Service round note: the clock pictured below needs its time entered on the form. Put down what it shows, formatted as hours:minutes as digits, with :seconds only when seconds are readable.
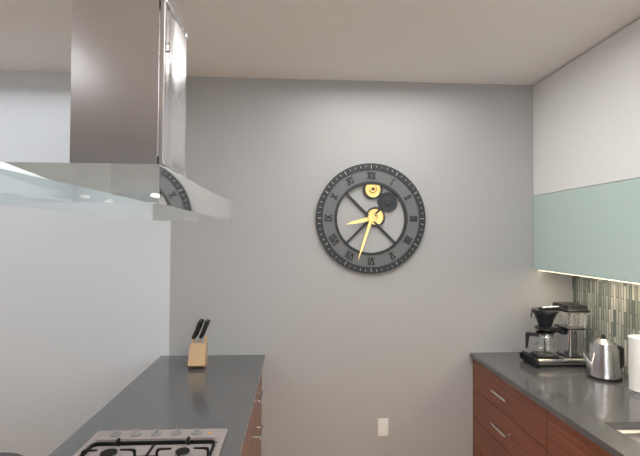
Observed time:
8:33
